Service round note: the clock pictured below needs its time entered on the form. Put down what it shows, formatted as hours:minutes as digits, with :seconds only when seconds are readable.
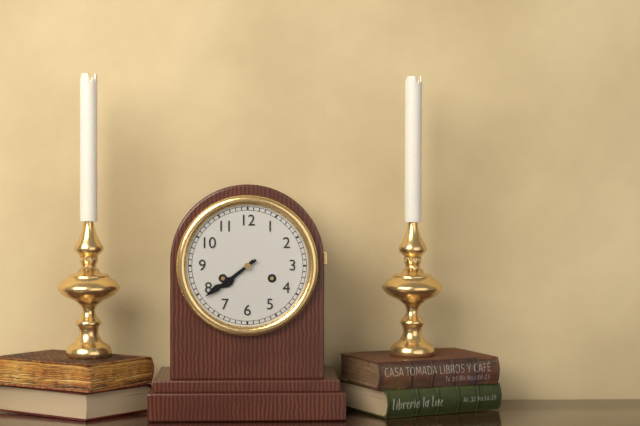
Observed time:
7:39
